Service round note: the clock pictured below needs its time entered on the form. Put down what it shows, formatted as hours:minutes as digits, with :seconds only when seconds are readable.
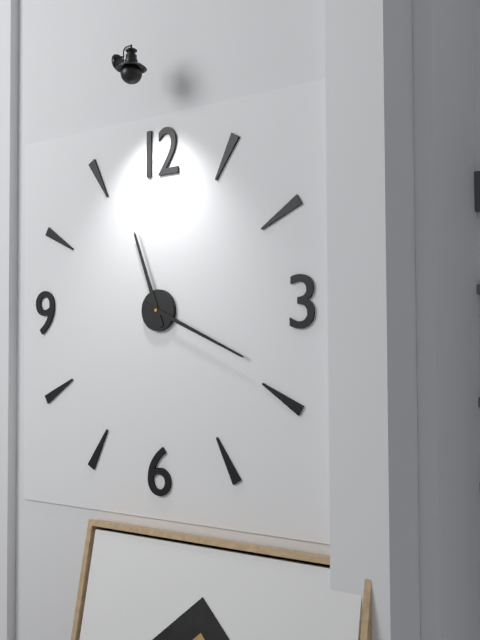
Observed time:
11:19
